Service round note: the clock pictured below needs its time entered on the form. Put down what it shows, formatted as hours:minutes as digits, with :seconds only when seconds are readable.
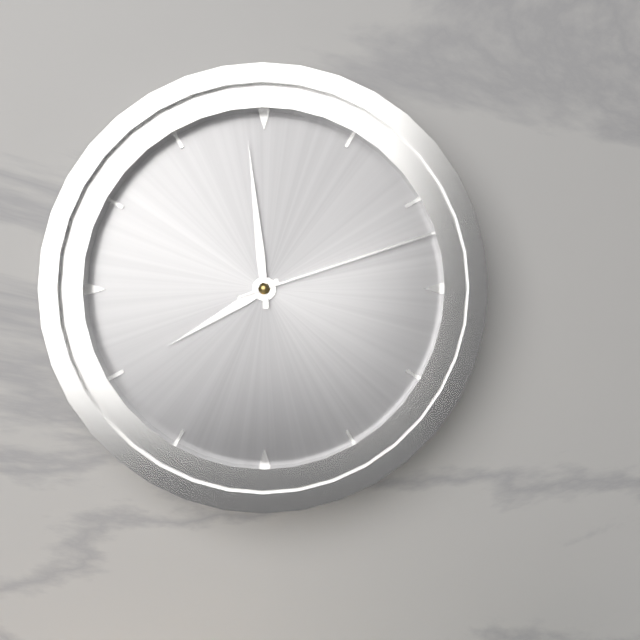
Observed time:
7:59:12
